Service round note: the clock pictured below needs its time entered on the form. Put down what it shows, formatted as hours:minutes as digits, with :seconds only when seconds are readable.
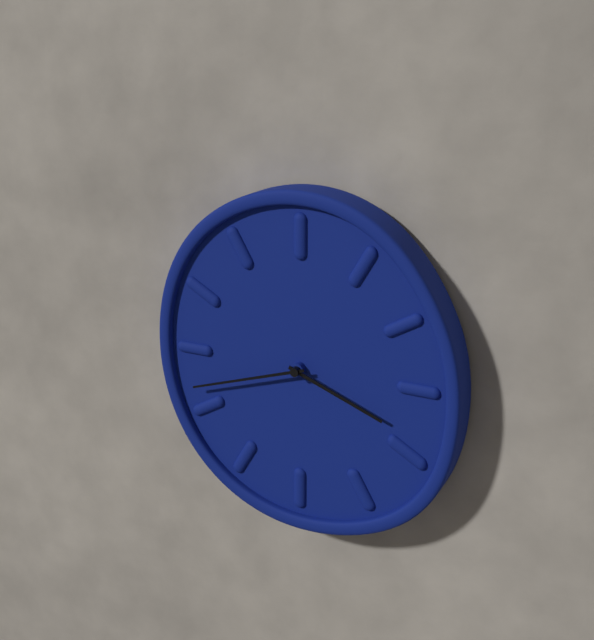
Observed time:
3:42
